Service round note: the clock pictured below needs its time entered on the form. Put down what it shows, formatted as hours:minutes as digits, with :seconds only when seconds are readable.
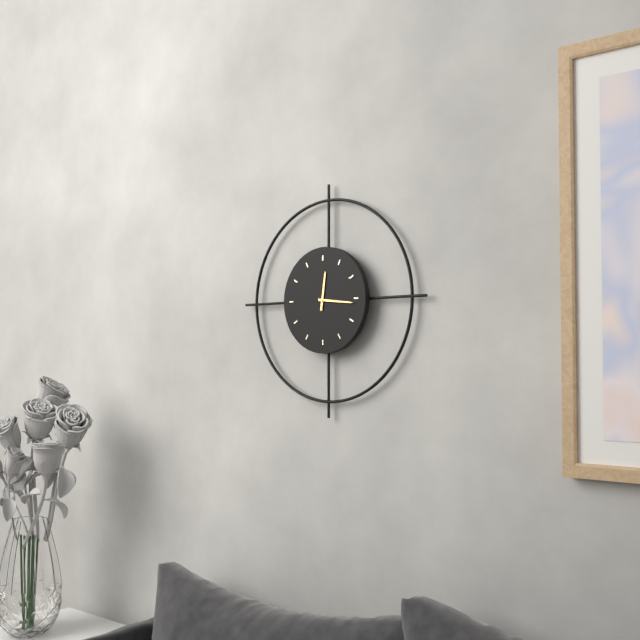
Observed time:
12:16
